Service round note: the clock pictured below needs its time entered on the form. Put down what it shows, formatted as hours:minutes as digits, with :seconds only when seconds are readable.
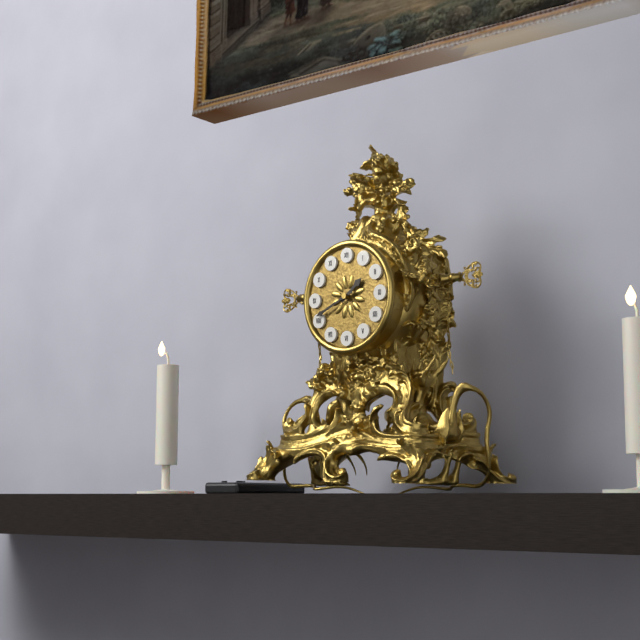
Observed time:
1:41
